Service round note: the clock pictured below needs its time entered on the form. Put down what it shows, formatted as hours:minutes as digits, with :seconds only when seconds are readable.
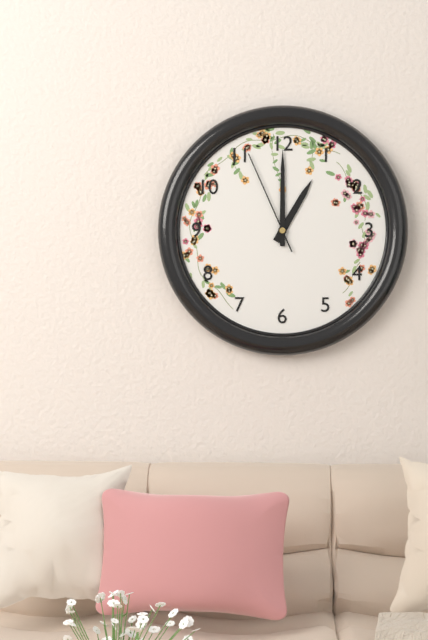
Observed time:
1:00:56
